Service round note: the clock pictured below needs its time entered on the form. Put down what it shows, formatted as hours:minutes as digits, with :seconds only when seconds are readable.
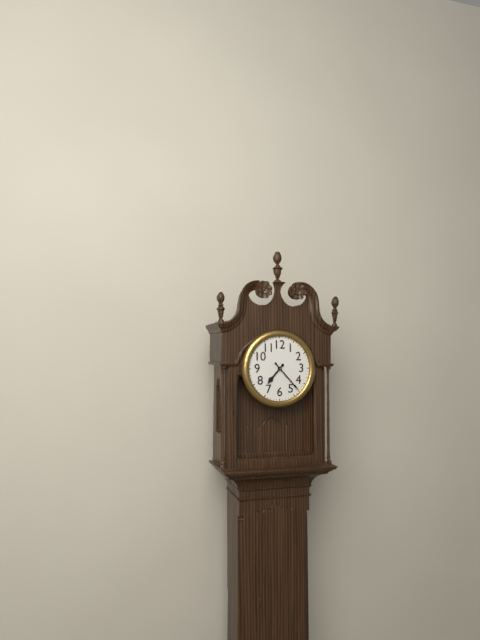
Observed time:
7:23
